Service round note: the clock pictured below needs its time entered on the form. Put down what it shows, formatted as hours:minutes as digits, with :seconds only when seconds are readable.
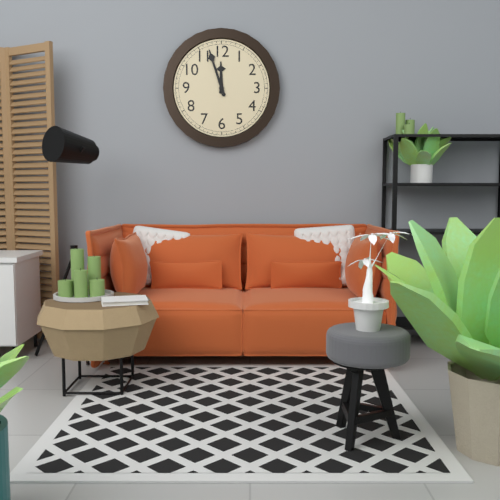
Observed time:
11:57
